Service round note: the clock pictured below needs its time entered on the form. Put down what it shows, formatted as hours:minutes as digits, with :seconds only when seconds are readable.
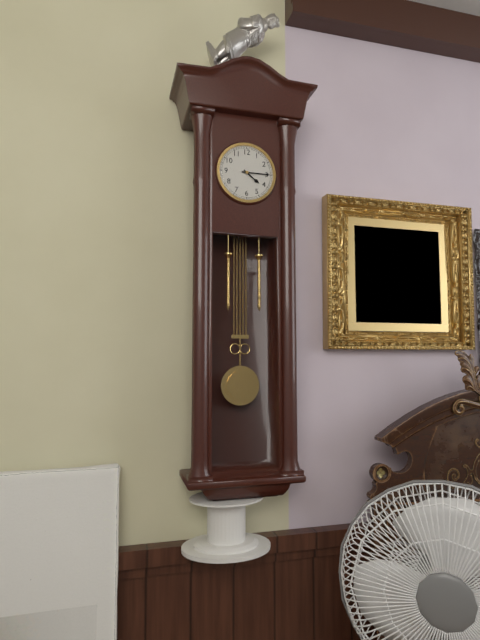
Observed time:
4:15
